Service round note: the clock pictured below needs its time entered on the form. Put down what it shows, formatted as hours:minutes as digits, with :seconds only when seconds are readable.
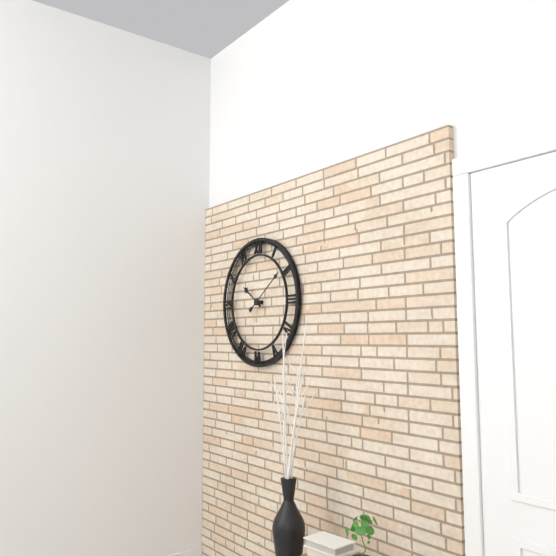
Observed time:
10:09
